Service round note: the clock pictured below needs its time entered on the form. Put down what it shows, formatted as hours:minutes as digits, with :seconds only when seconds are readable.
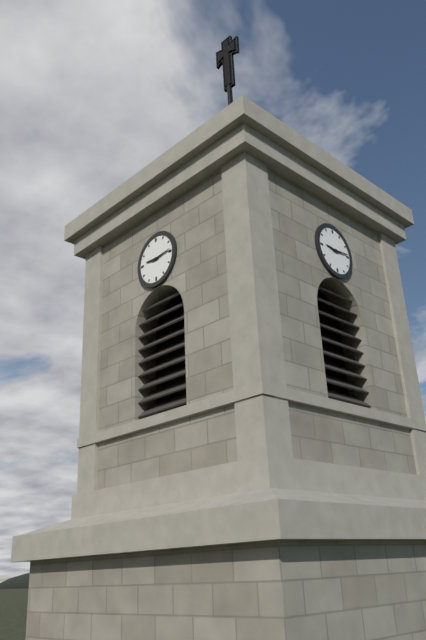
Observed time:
9:14
